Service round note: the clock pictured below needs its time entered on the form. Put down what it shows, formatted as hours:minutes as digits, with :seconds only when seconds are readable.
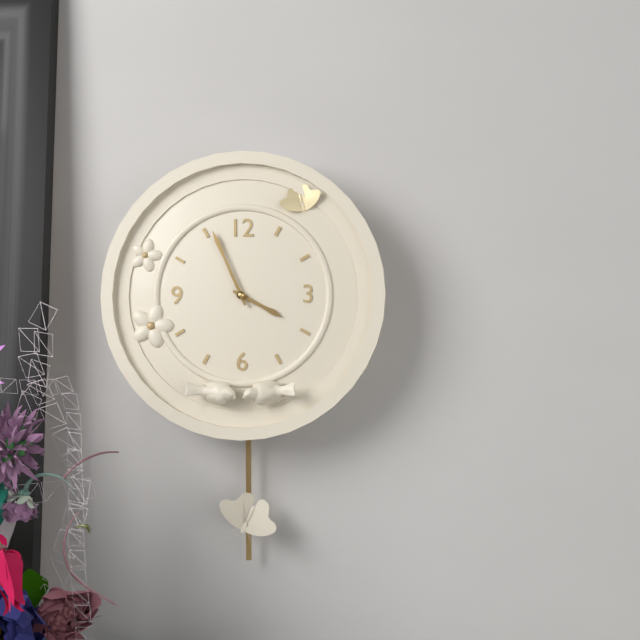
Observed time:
3:56
